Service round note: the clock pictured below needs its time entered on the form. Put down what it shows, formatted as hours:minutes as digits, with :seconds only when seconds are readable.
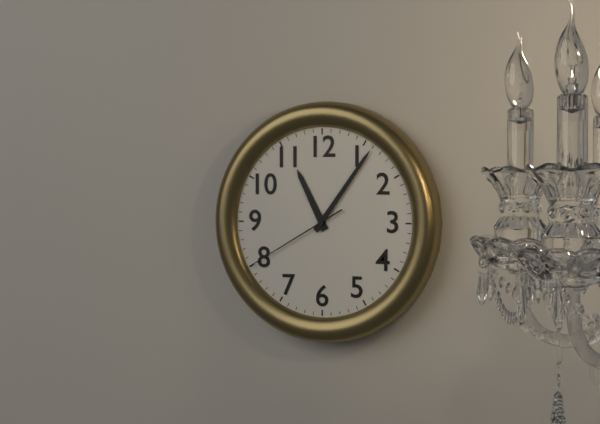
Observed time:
11:06:40
